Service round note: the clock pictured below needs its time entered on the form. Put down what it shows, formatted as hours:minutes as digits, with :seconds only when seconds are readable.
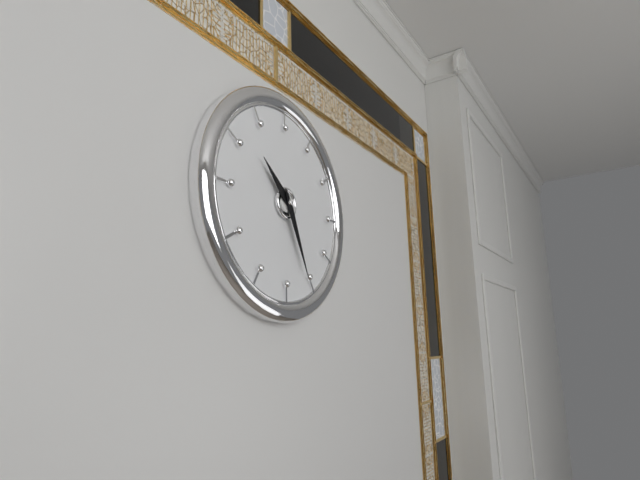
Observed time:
10:26
